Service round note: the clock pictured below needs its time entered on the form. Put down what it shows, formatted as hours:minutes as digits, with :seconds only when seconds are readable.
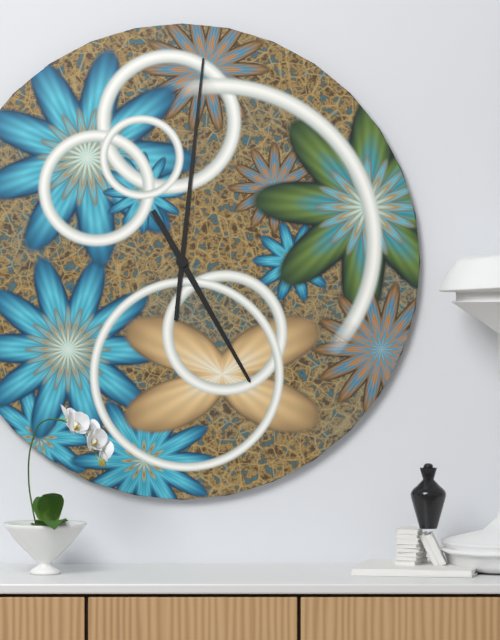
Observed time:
5:01
